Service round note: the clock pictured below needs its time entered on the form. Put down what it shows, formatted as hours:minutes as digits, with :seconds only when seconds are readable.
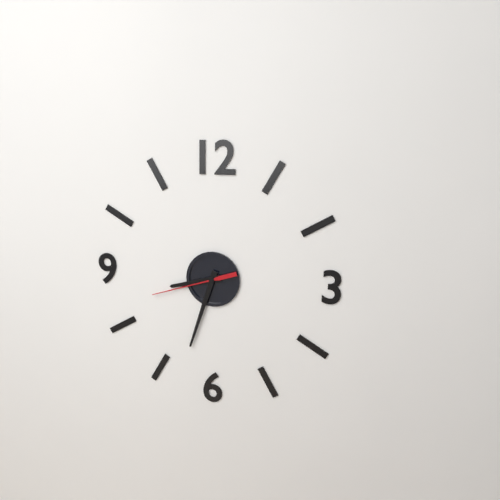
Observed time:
8:33:42
